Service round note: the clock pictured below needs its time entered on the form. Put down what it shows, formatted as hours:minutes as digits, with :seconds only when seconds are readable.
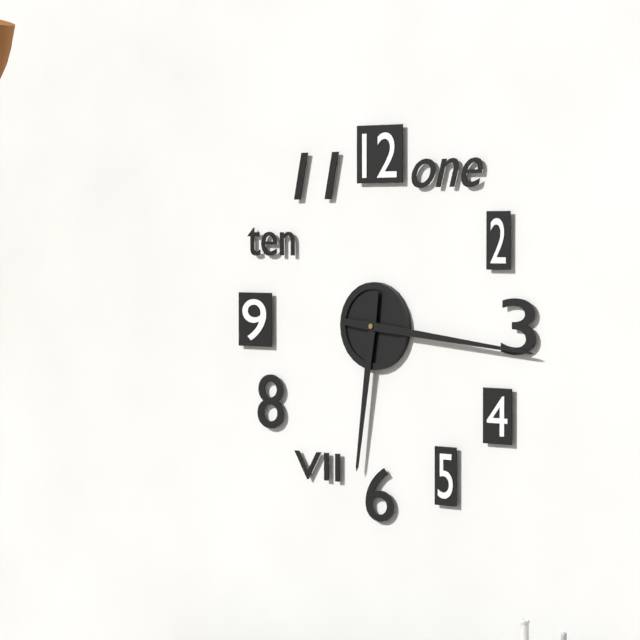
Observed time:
6:16
